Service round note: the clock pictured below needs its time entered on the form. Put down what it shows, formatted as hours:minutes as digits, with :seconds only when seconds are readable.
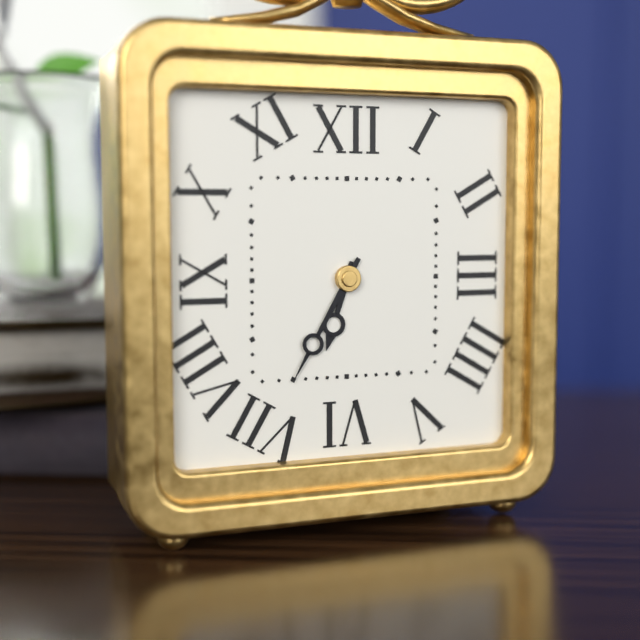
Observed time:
6:35
